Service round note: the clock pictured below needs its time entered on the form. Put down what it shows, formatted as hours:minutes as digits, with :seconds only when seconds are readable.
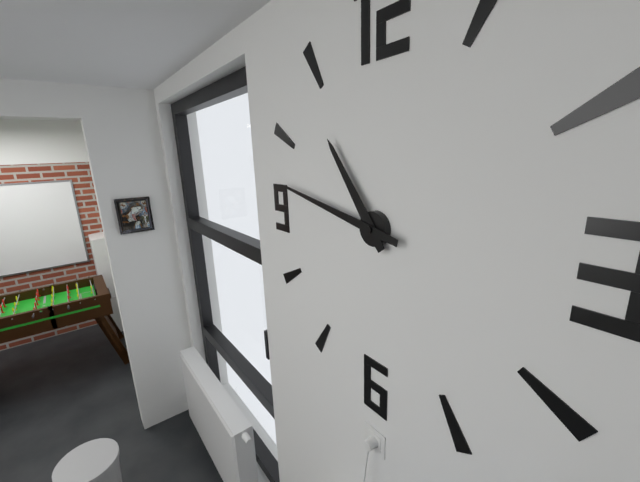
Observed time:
10:47
